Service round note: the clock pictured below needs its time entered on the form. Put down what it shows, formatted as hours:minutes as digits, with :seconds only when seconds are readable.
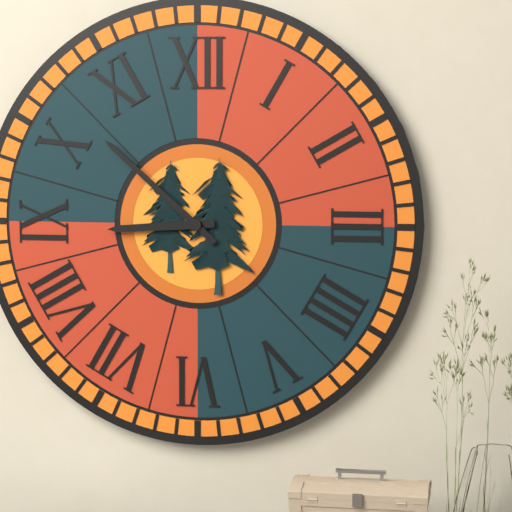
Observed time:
8:52
